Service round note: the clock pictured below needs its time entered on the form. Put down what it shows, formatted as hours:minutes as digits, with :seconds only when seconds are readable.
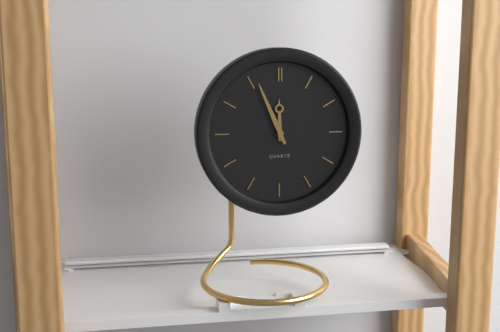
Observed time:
11:56
